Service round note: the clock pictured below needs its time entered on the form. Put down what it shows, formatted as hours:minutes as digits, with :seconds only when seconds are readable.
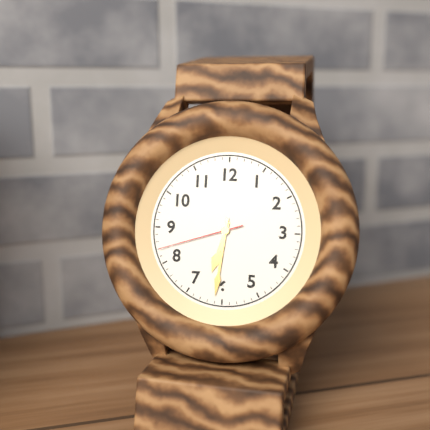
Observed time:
6:31:42
